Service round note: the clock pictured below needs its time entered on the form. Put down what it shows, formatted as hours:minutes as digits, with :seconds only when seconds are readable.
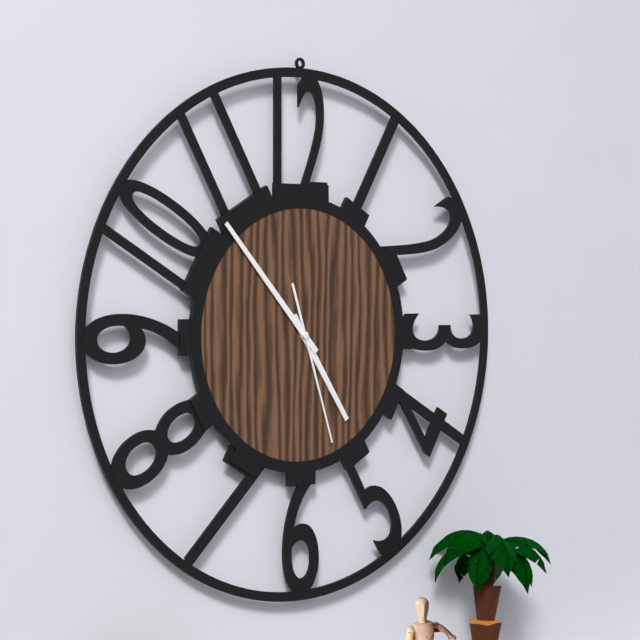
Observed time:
4:53:27
